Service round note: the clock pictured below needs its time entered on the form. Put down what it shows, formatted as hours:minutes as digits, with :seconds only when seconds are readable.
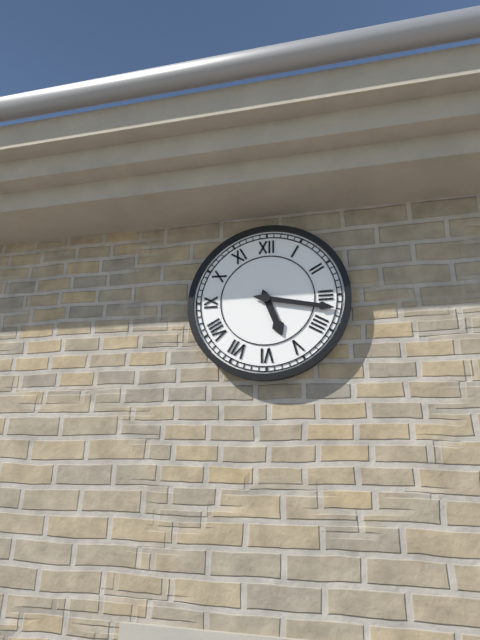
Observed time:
5:17
